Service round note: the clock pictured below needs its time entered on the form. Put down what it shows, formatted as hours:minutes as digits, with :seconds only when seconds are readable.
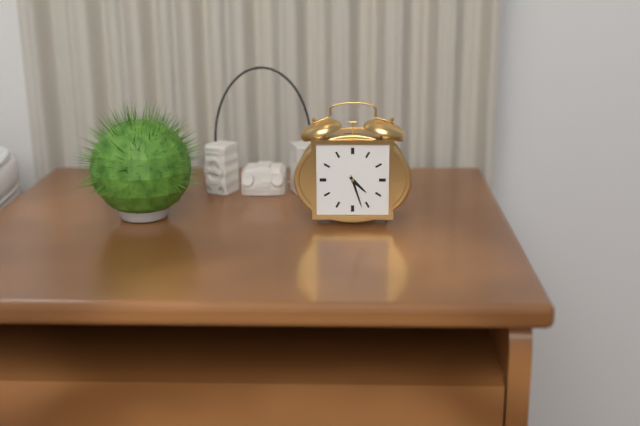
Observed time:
4:27
